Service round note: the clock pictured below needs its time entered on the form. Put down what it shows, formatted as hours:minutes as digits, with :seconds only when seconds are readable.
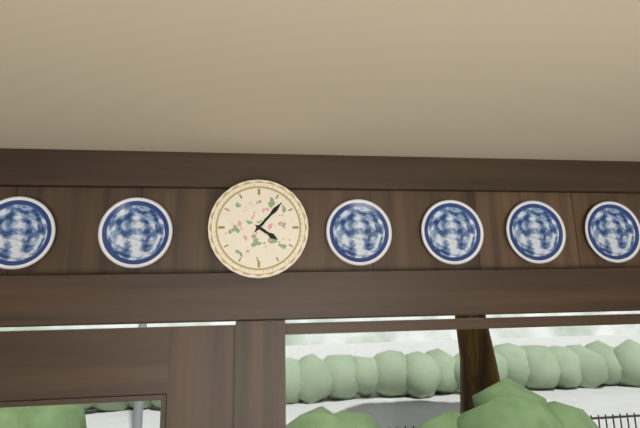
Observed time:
4:07
